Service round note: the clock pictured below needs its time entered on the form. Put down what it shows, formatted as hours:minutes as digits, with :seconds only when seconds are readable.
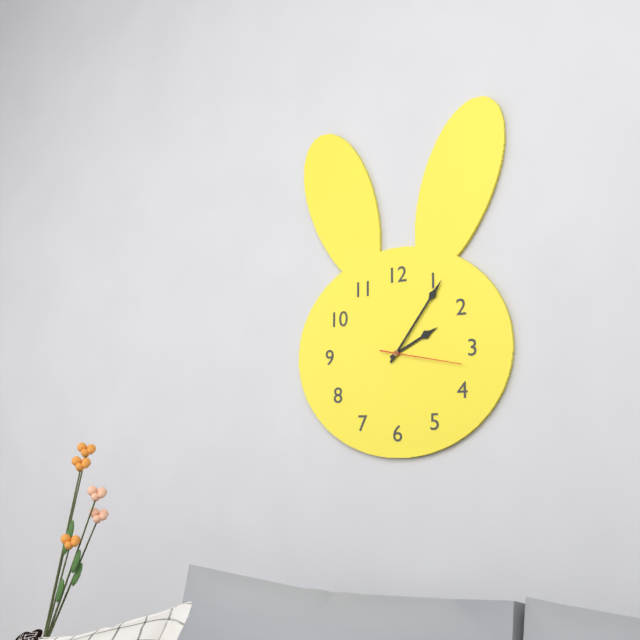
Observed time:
2:06:17
